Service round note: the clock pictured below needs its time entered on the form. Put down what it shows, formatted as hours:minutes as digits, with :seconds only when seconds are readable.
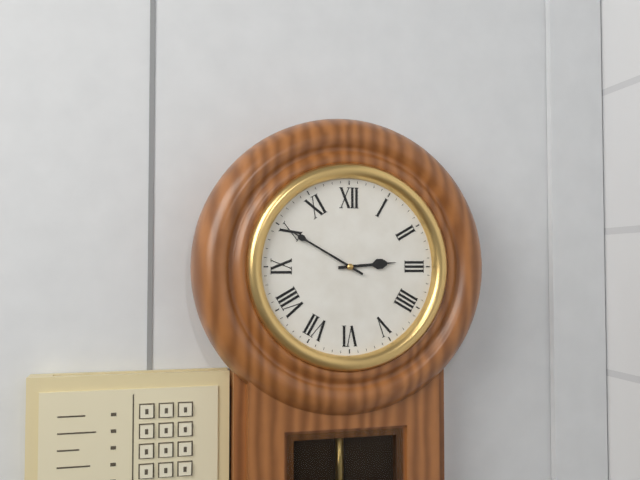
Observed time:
2:50
